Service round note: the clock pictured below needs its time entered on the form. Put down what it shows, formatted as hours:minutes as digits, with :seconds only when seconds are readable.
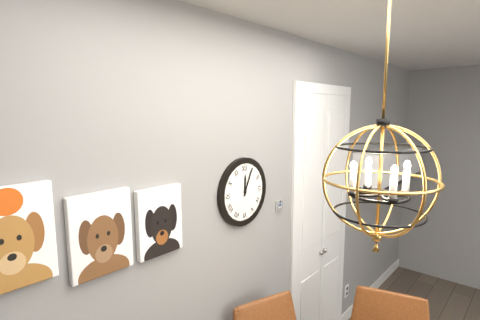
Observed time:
12:04
